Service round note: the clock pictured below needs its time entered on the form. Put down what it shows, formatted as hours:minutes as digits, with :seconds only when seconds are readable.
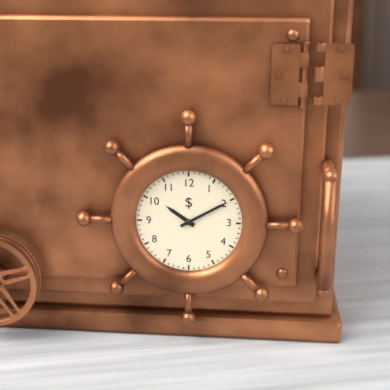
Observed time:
10:10
